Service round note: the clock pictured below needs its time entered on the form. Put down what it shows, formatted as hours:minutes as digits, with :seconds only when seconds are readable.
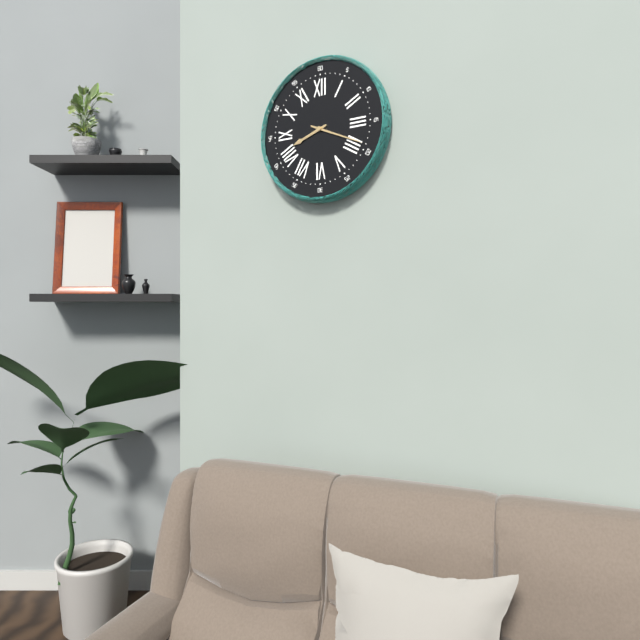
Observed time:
8:19
